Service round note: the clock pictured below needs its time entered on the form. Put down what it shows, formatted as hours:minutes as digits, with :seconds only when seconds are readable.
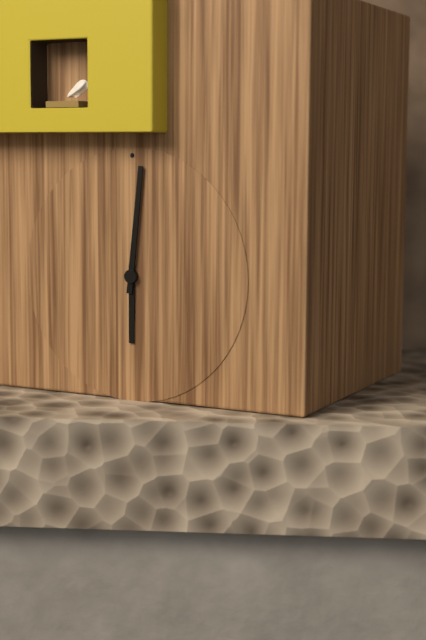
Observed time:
6:01
